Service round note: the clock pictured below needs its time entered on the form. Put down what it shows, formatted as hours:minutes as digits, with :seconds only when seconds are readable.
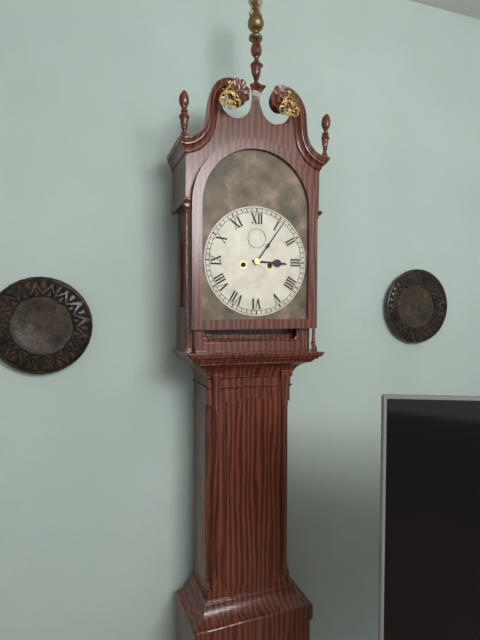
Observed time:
3:06
